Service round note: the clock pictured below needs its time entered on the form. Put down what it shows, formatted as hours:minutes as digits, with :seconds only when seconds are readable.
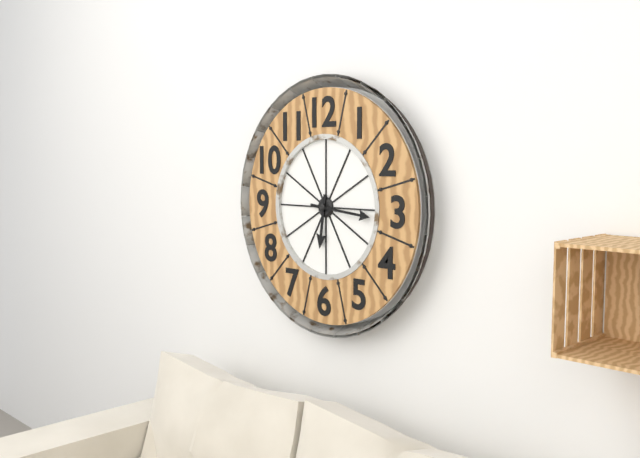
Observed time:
6:16
